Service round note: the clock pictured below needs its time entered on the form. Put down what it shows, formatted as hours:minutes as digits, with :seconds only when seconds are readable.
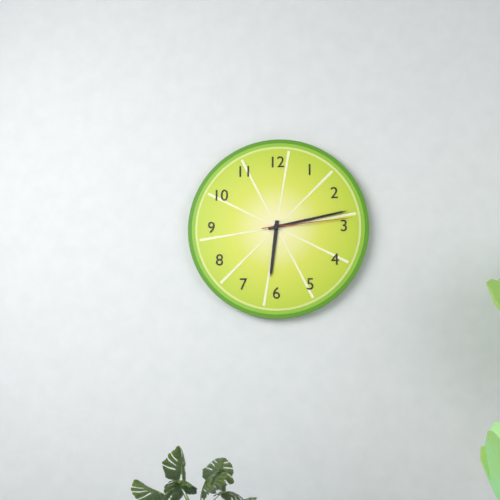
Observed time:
6:13:14
